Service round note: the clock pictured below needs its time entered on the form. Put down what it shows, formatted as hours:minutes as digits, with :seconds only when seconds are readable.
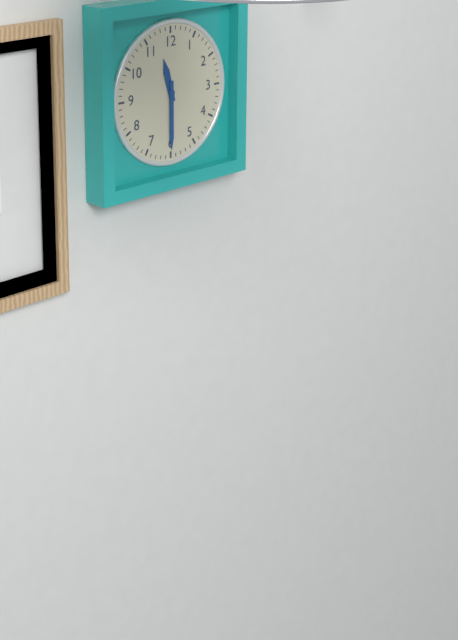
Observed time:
11:30
